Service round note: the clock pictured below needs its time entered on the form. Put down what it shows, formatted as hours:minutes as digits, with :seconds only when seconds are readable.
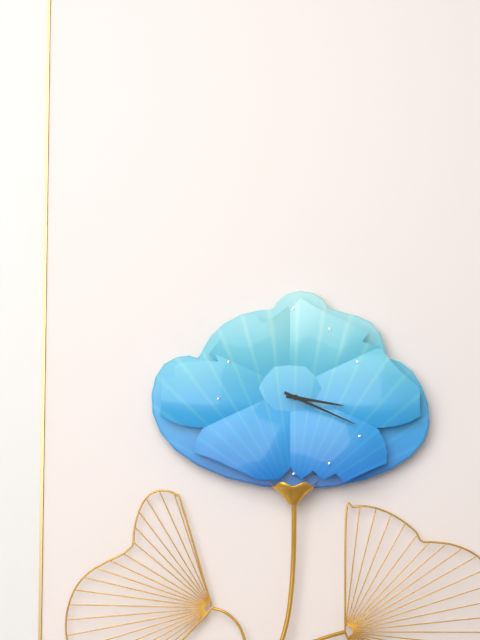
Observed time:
3:19
